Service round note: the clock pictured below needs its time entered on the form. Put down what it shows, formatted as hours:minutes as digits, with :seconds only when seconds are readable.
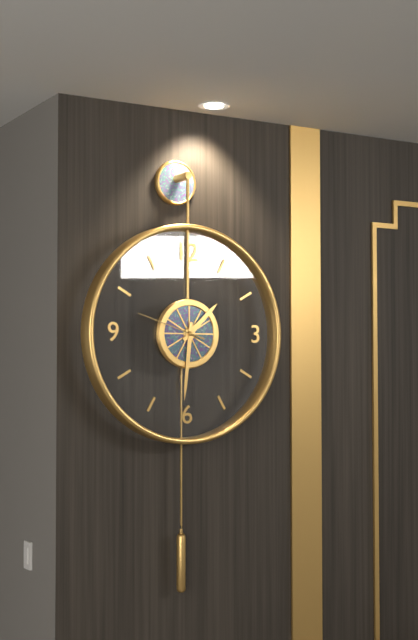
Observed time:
1:31:48
